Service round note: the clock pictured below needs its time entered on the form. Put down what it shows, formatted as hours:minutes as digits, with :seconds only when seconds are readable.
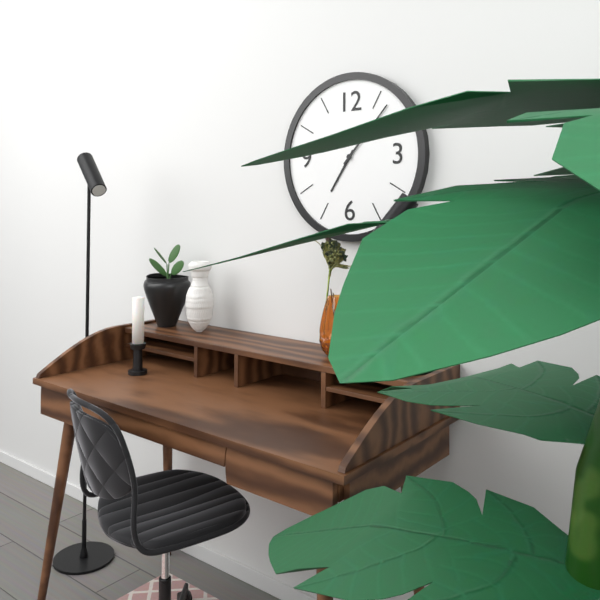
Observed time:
7:07
